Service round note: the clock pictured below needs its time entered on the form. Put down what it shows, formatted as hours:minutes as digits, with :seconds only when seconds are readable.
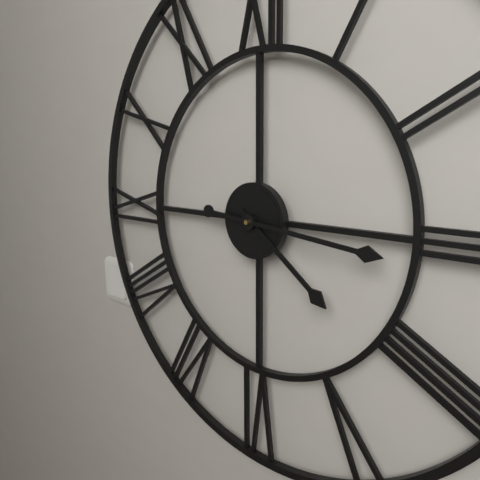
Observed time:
4:16
